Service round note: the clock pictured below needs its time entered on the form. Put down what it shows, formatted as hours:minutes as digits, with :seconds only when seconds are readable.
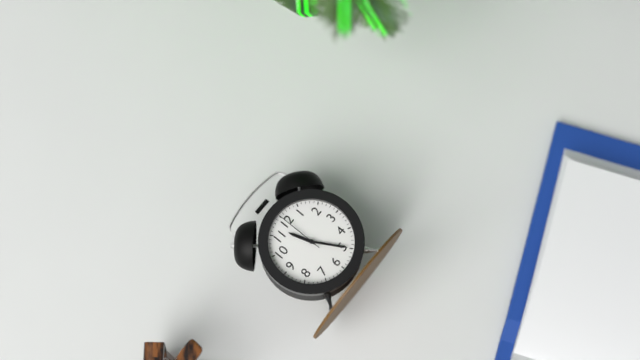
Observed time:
11:25:00
